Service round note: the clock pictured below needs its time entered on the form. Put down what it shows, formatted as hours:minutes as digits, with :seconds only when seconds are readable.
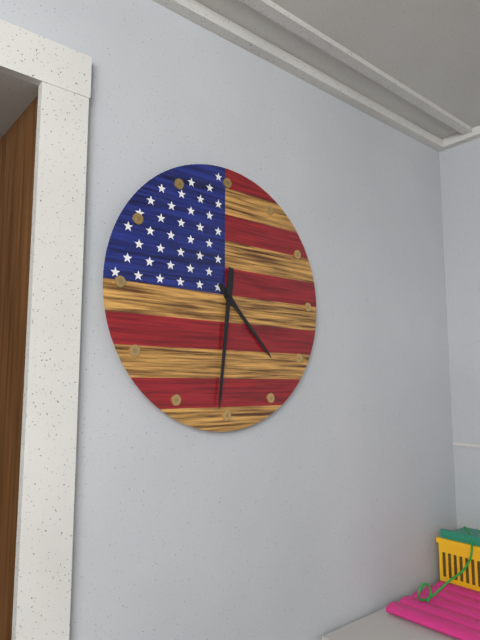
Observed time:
4:31
